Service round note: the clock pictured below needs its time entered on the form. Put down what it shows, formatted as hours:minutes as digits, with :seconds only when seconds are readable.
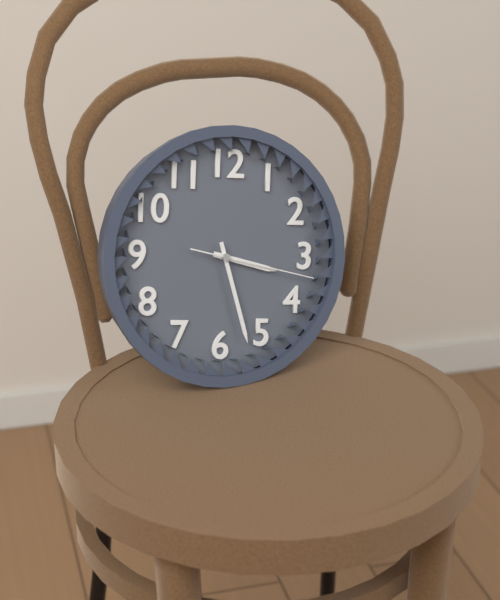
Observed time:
3:27:17
